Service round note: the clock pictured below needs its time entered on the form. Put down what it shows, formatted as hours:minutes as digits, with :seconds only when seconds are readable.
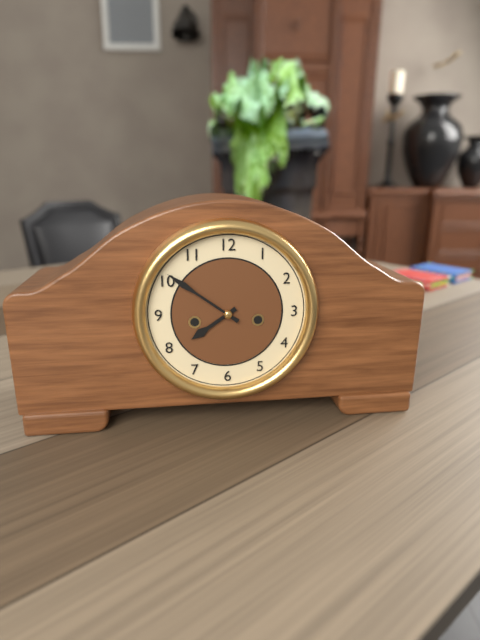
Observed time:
7:51
